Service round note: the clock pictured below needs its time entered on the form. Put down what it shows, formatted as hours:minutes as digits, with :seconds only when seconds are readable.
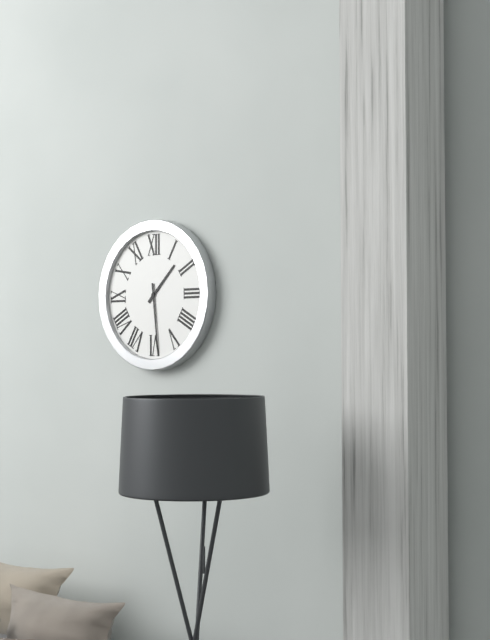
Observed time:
1:29
